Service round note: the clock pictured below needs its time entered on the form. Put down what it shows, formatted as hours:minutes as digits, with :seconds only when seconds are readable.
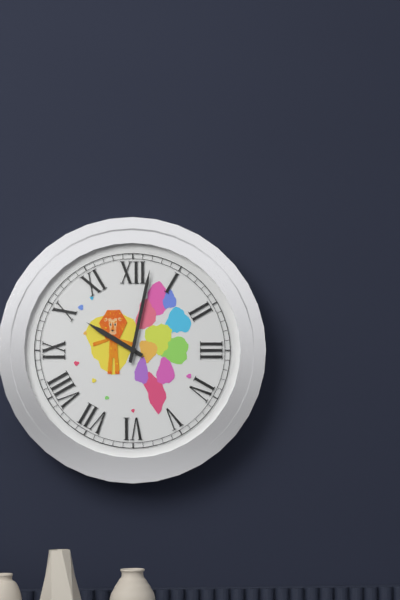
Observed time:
10:02
